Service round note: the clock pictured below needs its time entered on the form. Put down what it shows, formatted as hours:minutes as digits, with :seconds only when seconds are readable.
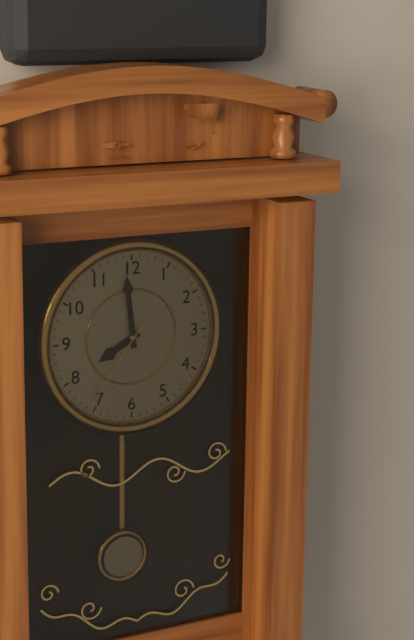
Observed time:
7:59:36
